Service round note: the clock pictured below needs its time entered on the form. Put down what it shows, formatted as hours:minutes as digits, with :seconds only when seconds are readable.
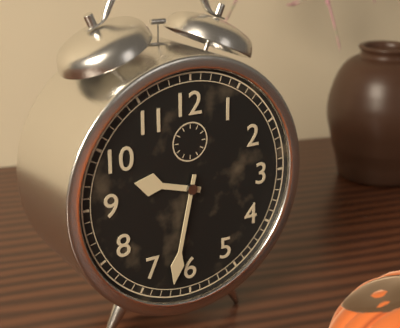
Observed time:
9:32
